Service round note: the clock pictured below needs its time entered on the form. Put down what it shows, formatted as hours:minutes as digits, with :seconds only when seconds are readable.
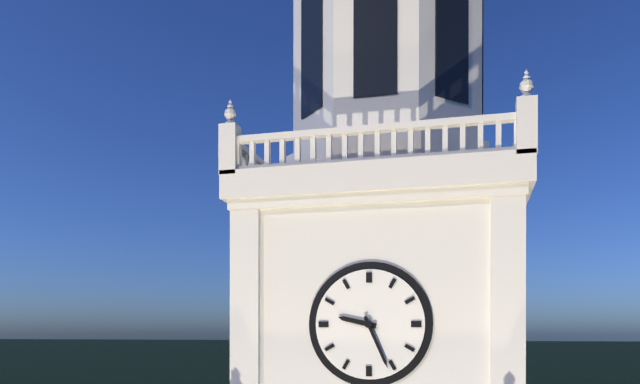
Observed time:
9:26
